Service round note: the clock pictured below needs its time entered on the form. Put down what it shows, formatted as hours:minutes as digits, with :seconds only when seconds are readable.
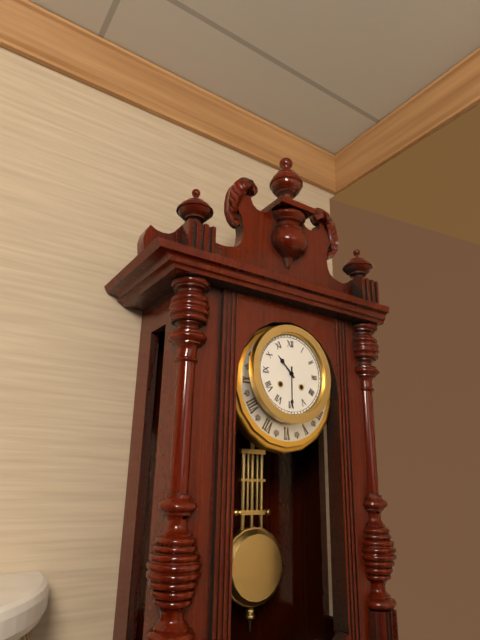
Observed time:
10:30
